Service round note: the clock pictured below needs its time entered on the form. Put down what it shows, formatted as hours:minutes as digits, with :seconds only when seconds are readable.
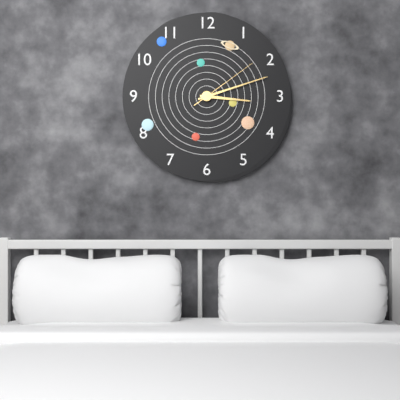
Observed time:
3:12:09
